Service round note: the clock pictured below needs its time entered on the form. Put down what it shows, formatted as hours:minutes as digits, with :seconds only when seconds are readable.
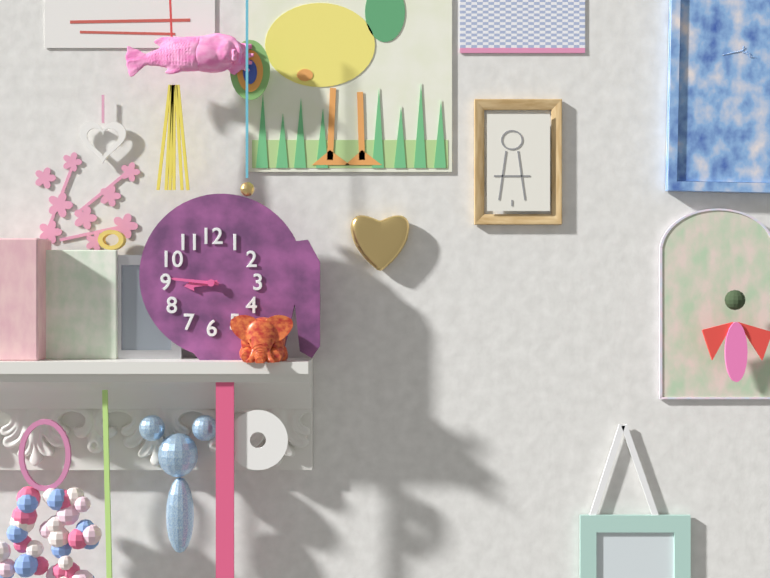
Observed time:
8:46
